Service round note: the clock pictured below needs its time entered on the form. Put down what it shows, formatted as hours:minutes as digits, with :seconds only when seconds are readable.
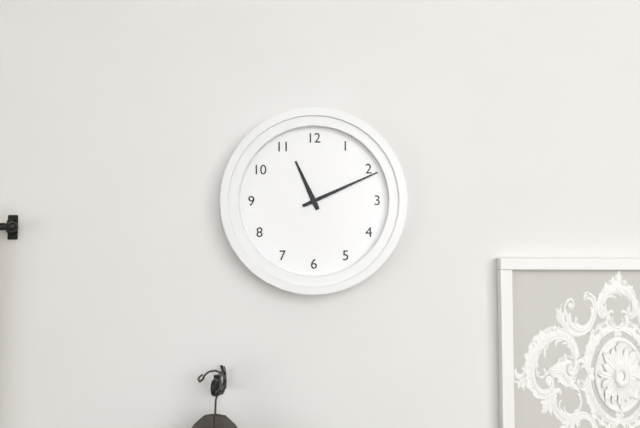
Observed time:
11:11
